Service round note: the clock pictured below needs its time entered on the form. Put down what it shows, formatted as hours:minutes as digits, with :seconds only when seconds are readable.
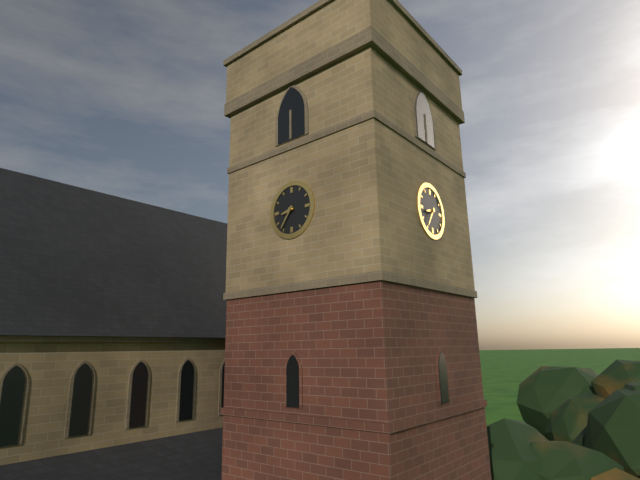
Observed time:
8:36
